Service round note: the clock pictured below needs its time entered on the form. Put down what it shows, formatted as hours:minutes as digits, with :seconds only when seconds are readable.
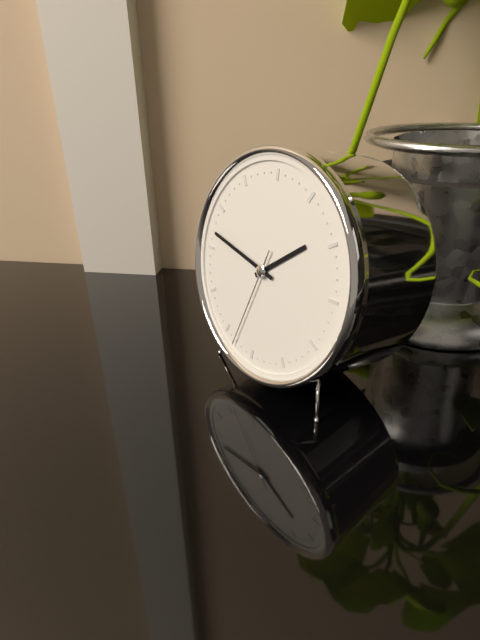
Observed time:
1:47:33
